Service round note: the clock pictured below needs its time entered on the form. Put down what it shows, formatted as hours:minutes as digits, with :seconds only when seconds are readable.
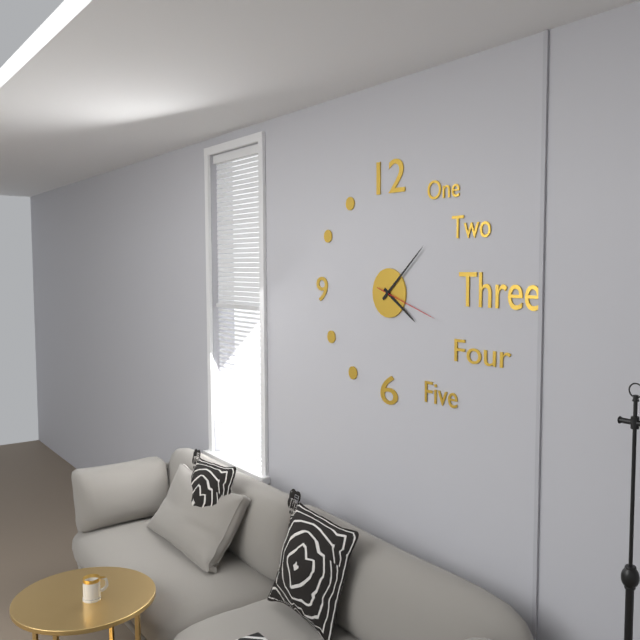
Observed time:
4:08:18
